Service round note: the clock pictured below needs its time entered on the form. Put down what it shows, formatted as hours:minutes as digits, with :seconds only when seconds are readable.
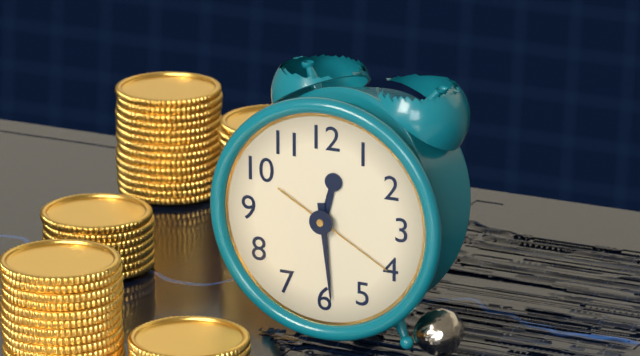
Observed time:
12:29:20
